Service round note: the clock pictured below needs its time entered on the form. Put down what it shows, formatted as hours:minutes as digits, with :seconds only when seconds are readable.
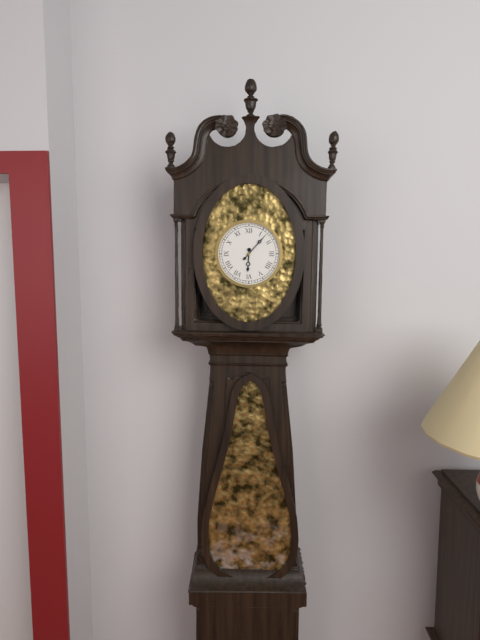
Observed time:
6:07
